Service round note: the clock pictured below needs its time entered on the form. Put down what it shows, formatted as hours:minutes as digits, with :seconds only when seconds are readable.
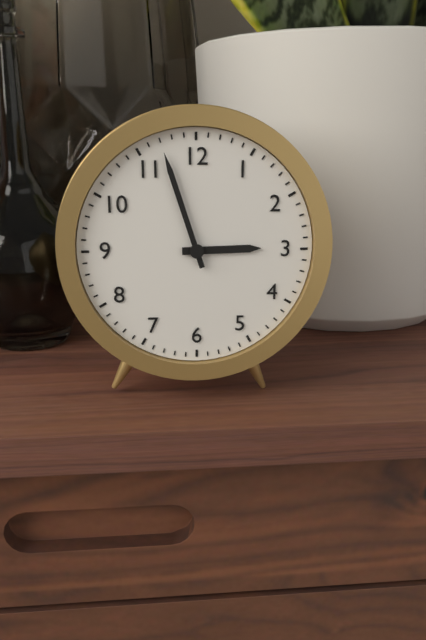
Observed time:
2:57
